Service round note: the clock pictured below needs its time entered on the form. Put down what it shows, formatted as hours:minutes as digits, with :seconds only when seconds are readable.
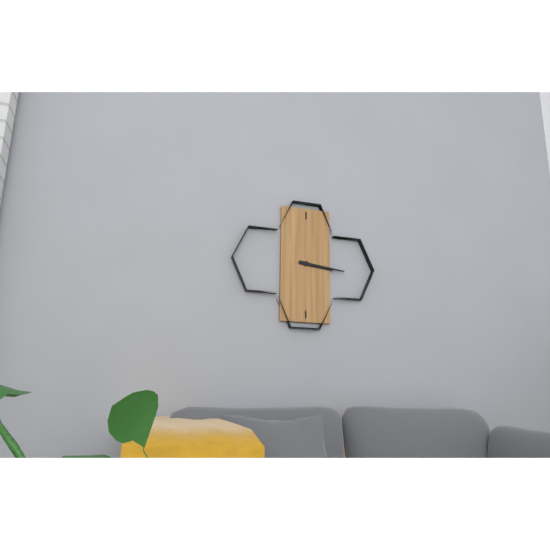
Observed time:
3:16
